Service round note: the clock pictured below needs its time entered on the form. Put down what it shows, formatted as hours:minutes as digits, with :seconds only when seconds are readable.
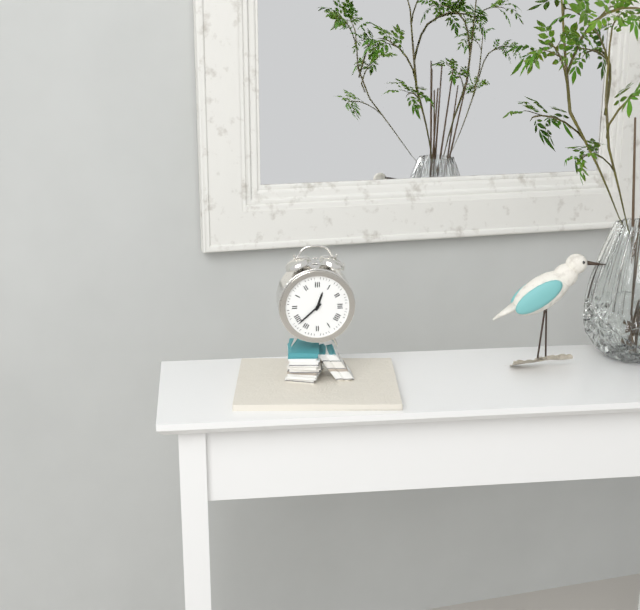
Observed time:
12:38
